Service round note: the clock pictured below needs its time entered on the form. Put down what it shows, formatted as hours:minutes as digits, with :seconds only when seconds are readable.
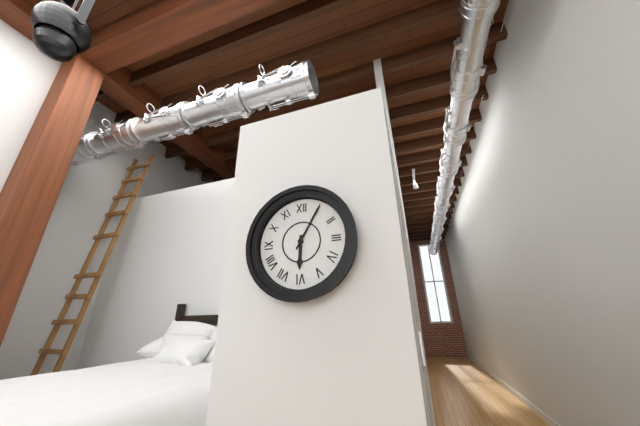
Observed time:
6:05
